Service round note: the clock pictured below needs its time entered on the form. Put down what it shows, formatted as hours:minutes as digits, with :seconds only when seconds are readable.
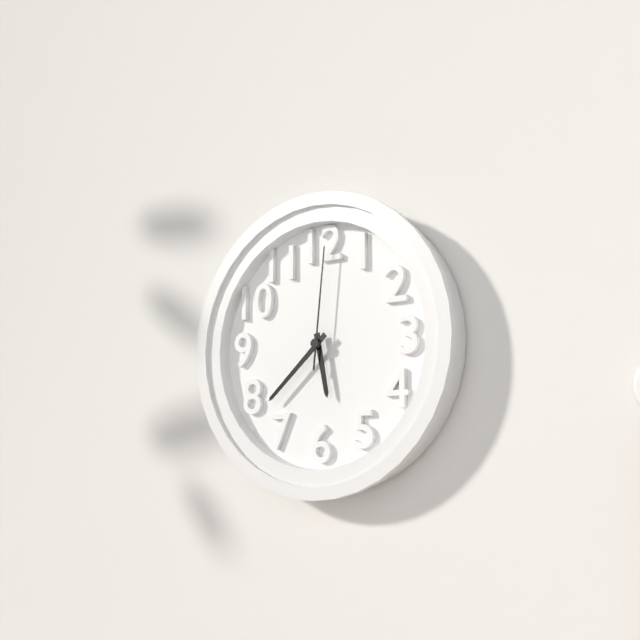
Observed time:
5:38:01
